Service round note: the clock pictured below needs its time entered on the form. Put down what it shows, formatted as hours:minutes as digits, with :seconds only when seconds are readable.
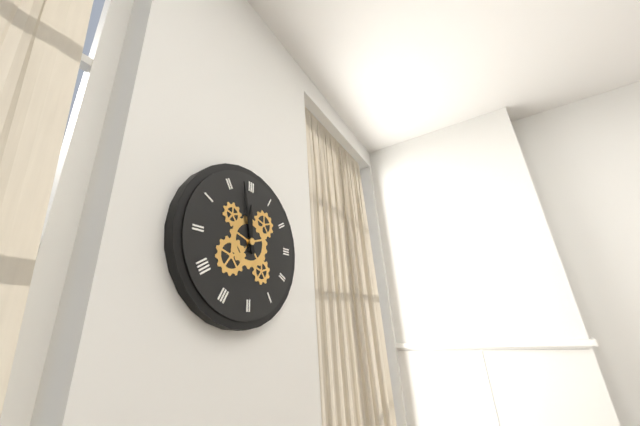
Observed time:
11:58
